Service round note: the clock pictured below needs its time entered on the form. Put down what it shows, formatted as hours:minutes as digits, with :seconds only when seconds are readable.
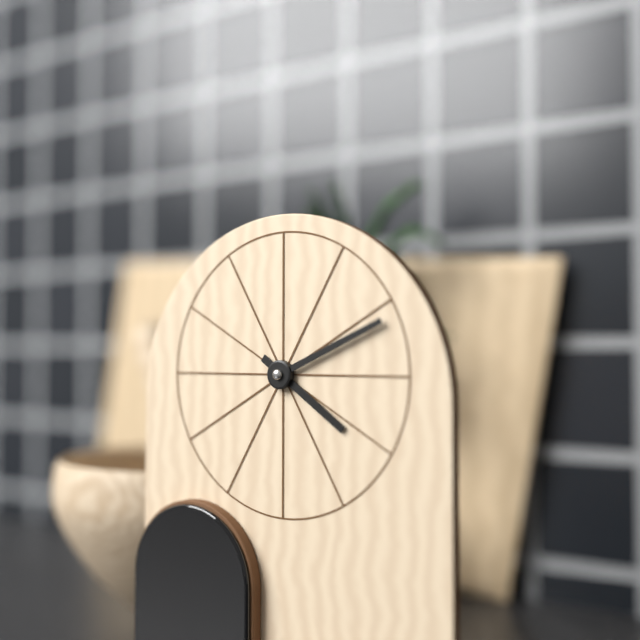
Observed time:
4:11
